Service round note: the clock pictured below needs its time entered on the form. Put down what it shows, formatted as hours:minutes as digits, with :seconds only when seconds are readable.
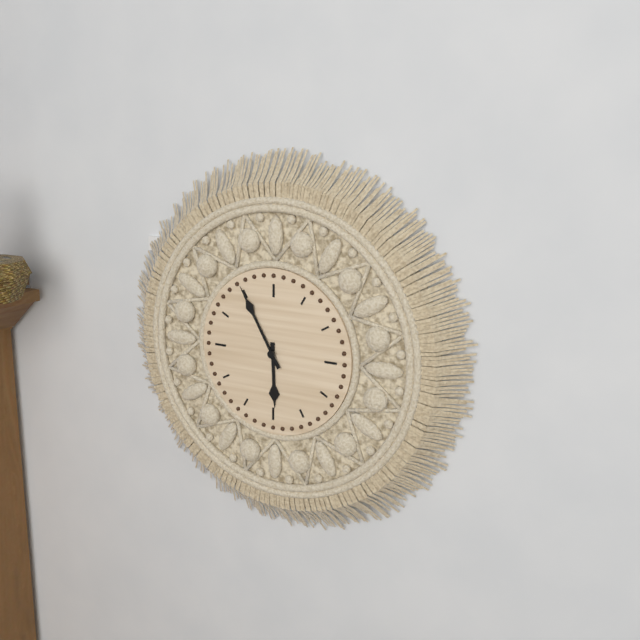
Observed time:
5:55
